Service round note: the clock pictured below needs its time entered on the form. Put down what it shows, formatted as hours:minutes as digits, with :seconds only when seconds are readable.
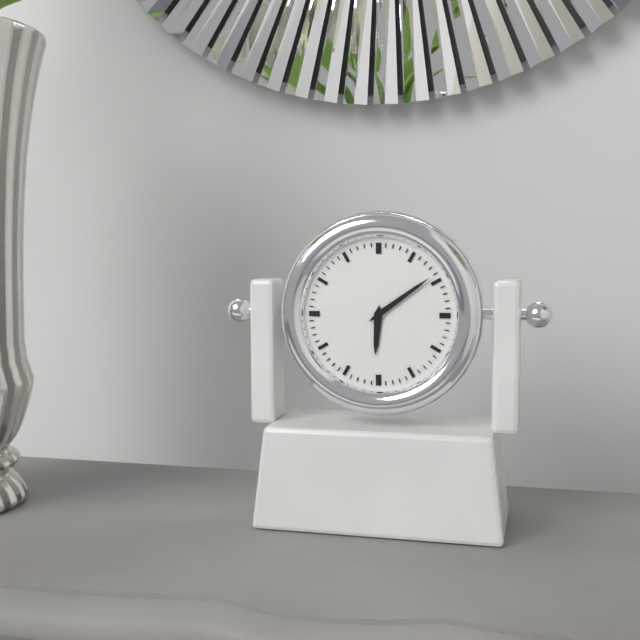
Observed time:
6:09
